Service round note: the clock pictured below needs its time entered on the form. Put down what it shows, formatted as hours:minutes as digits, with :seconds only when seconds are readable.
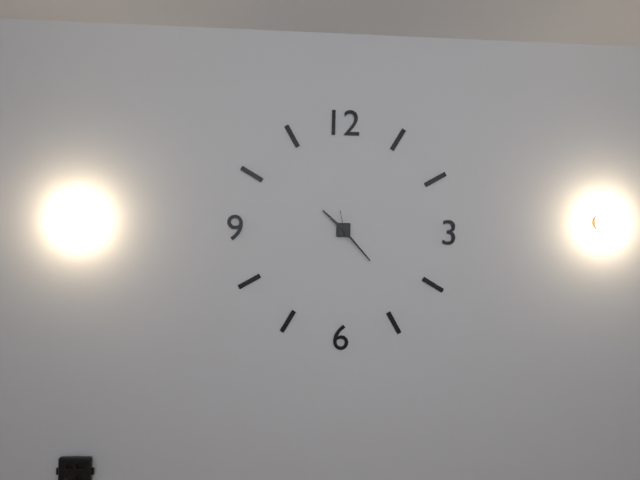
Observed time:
10:23
